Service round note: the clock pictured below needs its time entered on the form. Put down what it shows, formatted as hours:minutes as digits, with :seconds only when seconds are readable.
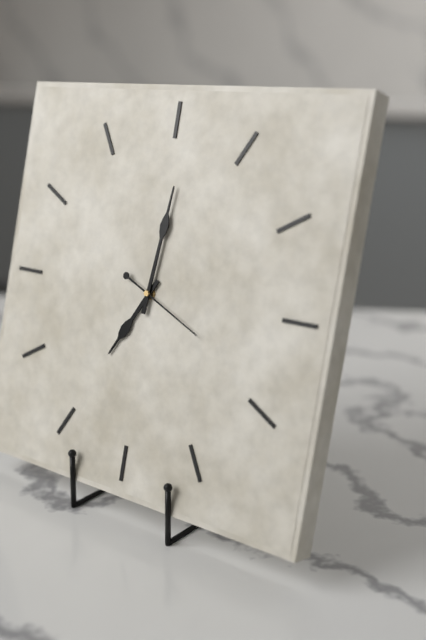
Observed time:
7:01:19
